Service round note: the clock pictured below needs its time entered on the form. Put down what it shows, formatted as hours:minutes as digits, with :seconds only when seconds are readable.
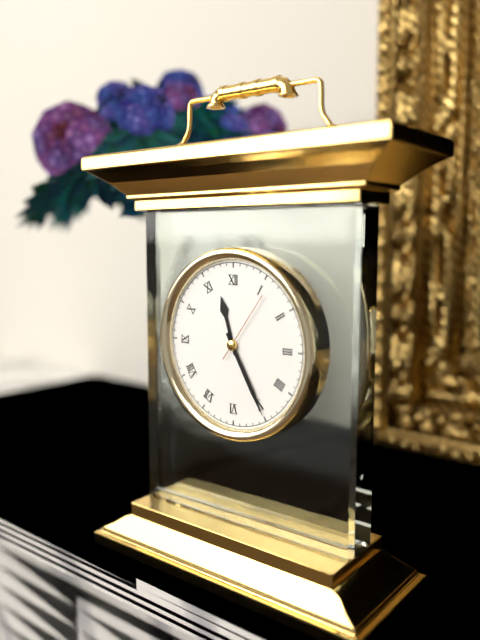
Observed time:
11:25:06
